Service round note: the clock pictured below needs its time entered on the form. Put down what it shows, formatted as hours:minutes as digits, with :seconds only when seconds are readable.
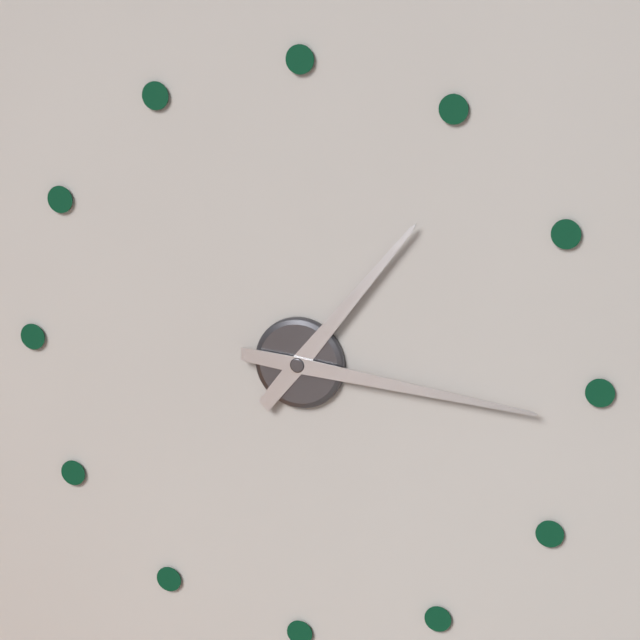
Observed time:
1:16
